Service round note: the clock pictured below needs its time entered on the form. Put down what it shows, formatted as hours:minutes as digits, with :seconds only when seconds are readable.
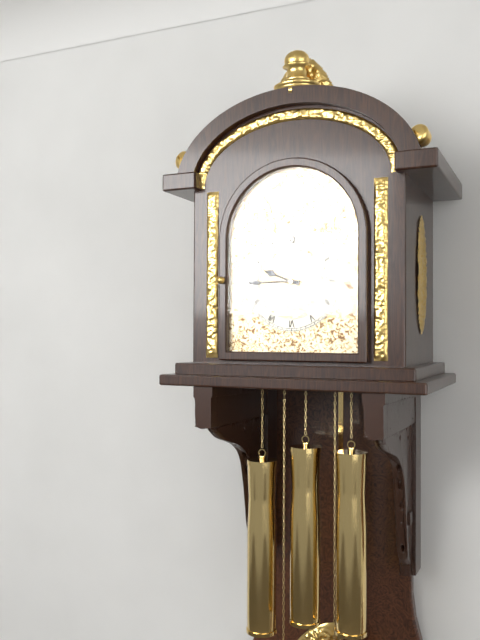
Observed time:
9:45
